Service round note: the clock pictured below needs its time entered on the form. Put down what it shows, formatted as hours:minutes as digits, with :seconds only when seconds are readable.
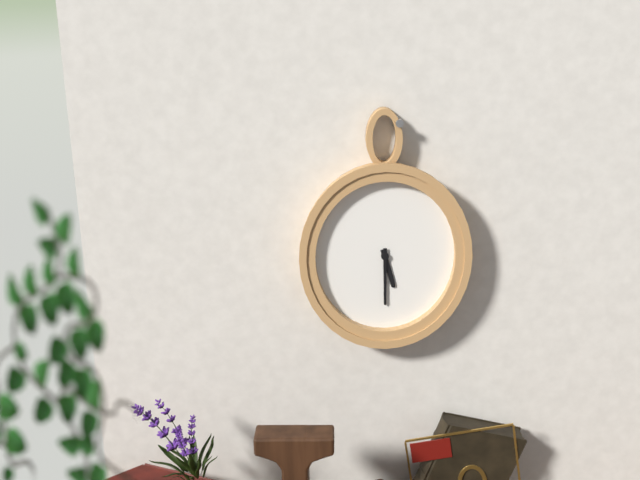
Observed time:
5:30
